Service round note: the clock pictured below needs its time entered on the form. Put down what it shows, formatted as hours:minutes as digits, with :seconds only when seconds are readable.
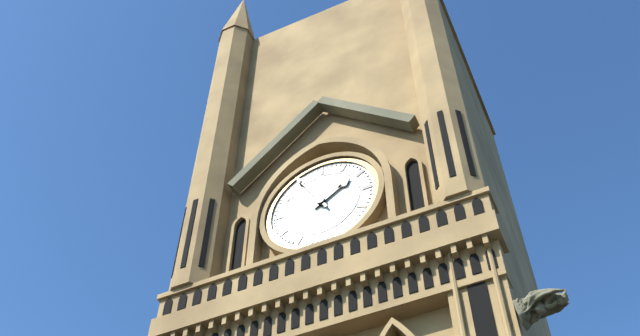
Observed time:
1:55
